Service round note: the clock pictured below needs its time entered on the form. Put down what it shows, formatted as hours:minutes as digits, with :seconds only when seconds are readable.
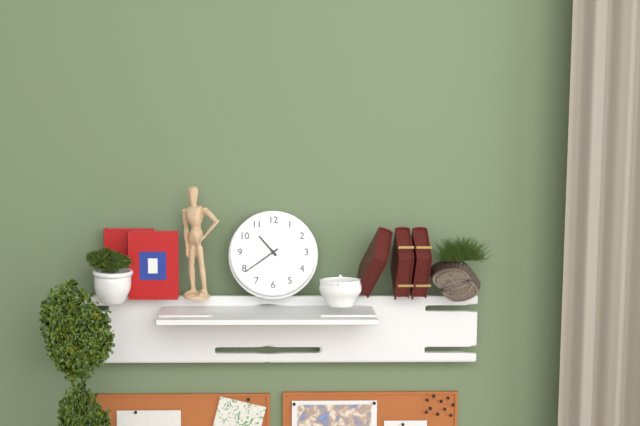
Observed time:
10:39
